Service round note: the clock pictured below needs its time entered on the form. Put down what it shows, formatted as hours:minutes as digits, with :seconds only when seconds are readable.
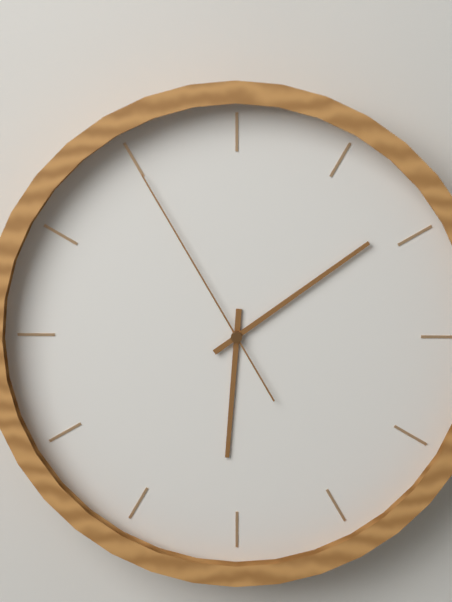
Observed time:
6:09:55
